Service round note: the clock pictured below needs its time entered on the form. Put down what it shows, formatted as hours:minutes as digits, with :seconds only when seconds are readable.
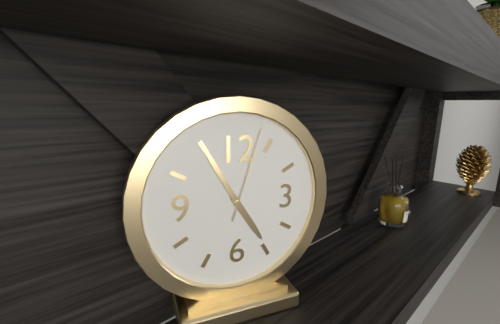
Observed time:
4:55:03
